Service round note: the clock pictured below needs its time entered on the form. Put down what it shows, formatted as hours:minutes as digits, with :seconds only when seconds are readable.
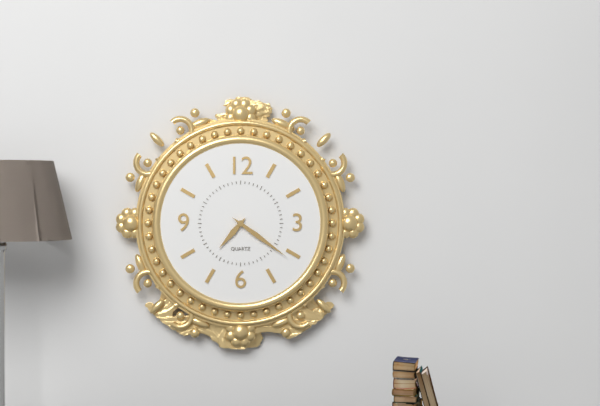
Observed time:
7:21
